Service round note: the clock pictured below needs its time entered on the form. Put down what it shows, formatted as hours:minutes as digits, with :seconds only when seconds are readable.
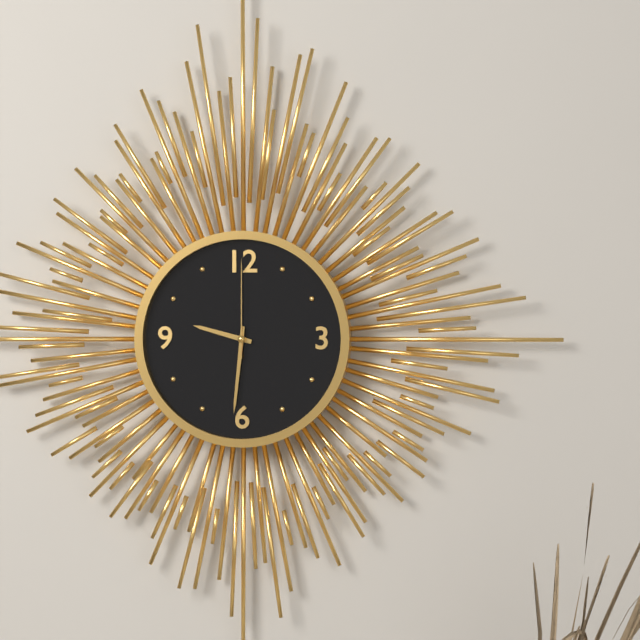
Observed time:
9:31:00
